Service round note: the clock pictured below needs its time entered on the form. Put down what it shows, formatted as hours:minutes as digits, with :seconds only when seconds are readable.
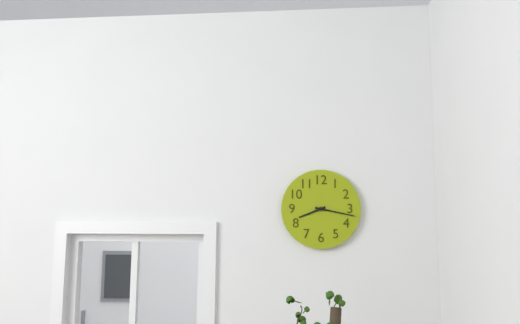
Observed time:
8:17
